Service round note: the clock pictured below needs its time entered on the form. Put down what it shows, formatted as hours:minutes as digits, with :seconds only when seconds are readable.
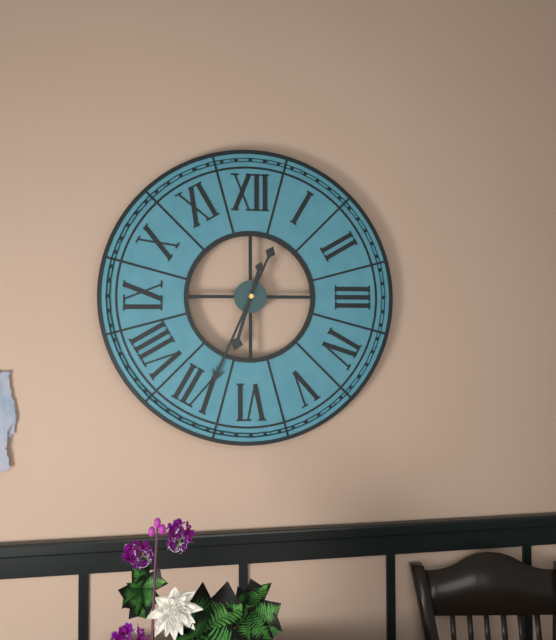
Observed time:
6:34
